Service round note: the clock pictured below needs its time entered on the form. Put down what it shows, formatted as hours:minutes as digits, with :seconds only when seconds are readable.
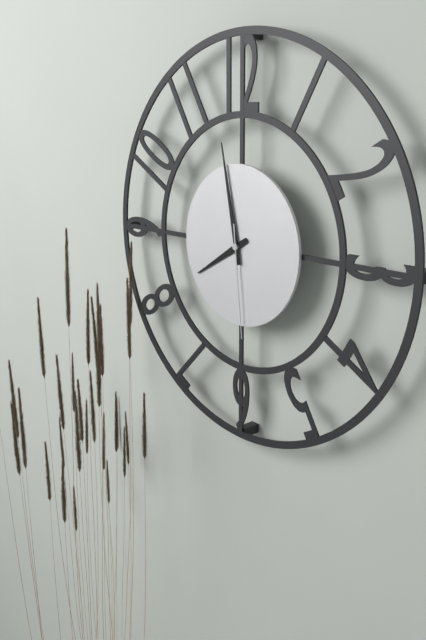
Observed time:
7:58:29
